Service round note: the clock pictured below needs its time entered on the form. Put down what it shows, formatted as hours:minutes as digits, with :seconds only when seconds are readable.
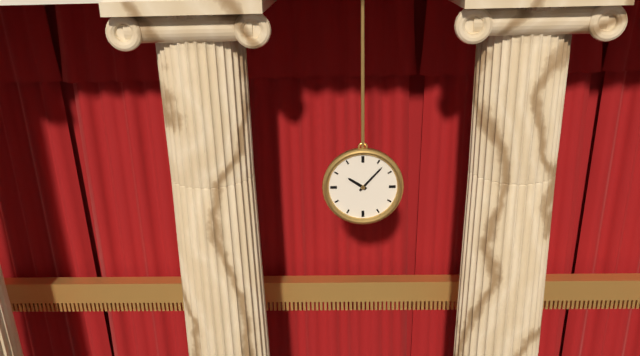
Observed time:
10:07
